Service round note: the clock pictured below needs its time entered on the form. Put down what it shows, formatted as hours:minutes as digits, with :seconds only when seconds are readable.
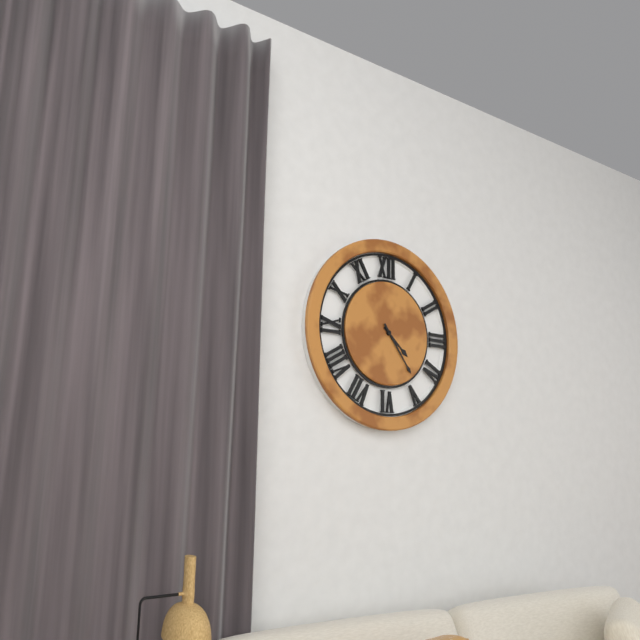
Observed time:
4:24
